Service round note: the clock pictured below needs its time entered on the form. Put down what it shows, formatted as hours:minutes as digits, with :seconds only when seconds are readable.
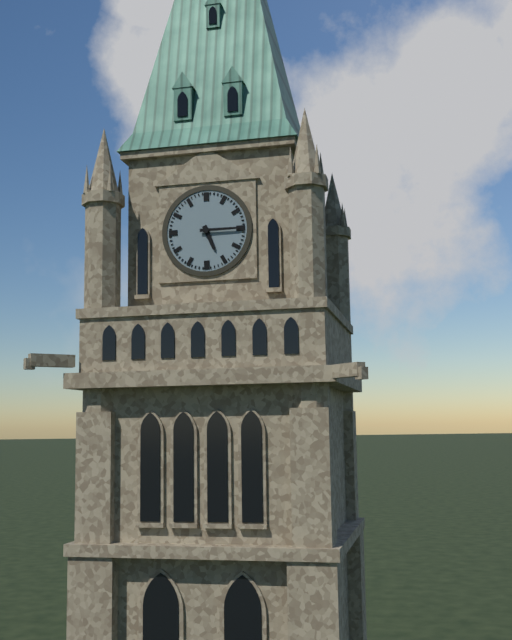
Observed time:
5:15
